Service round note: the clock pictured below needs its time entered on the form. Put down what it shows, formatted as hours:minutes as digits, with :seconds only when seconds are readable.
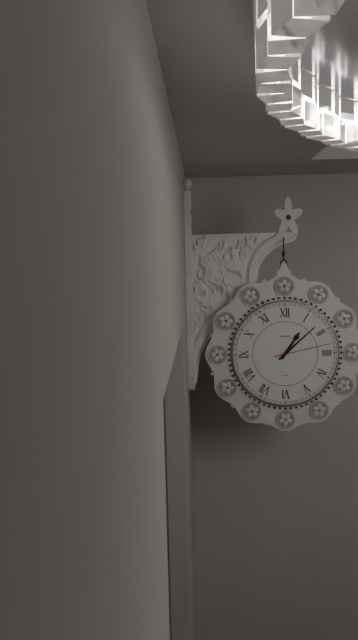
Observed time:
1:08:13
